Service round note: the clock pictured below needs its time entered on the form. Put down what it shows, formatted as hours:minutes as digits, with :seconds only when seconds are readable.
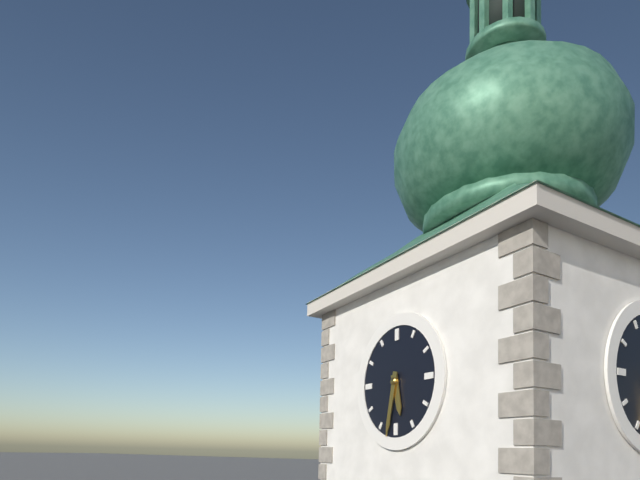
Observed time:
5:32
